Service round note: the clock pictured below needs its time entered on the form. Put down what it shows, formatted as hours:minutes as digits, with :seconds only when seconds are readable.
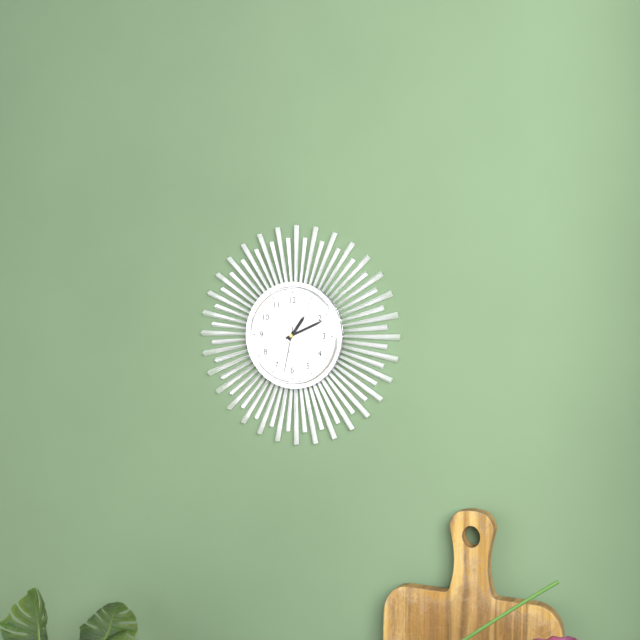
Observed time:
1:11
